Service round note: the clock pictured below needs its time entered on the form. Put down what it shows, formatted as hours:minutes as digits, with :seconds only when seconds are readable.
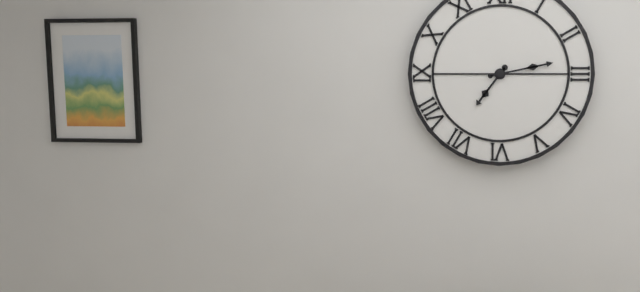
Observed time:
7:13
